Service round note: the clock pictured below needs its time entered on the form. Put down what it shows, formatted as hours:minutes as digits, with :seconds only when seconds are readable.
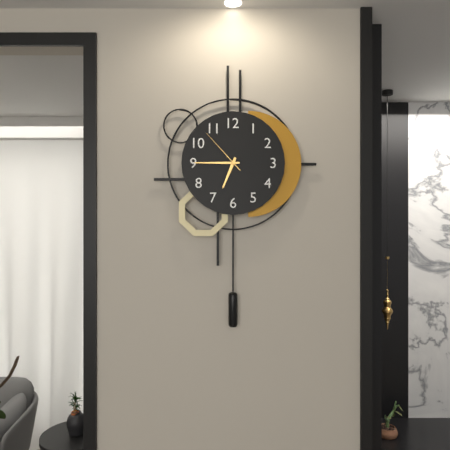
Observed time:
6:45:53
